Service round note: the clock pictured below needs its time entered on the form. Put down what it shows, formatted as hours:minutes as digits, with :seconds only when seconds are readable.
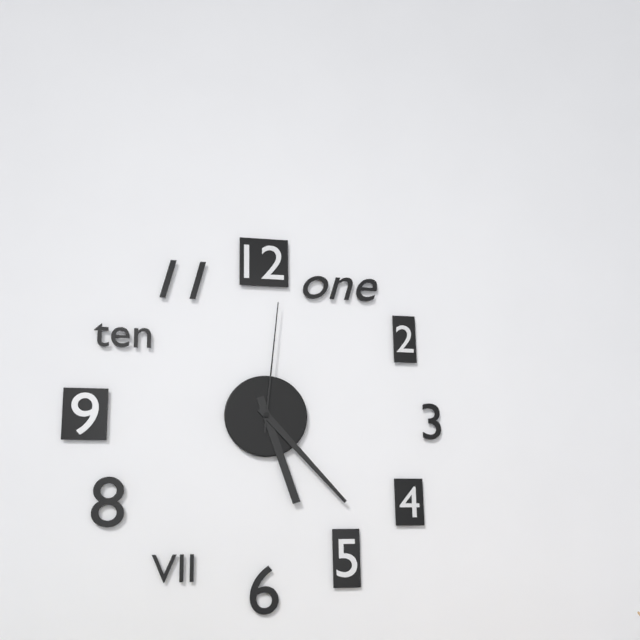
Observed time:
5:23:01
